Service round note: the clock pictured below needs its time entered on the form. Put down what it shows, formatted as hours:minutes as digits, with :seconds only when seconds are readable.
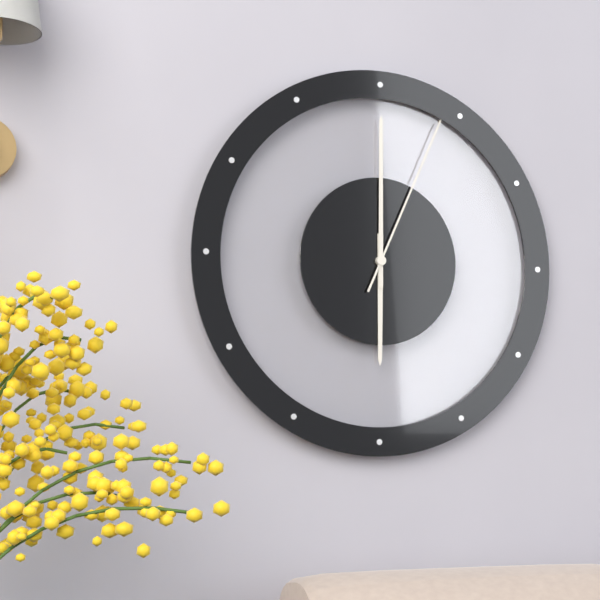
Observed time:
6:00:04
